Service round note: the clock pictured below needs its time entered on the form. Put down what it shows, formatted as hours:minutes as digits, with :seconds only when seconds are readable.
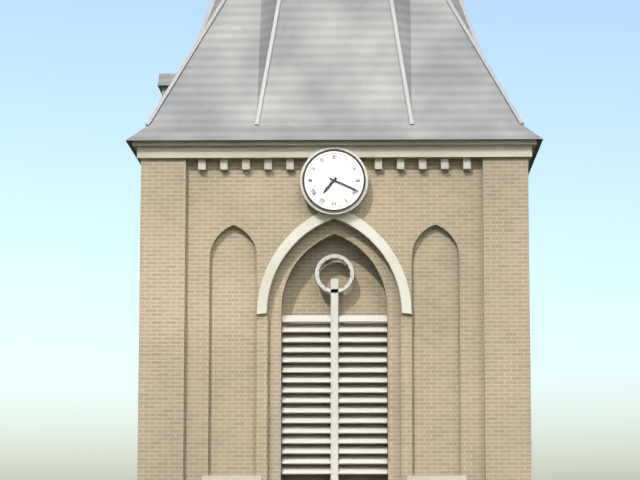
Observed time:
7:19
